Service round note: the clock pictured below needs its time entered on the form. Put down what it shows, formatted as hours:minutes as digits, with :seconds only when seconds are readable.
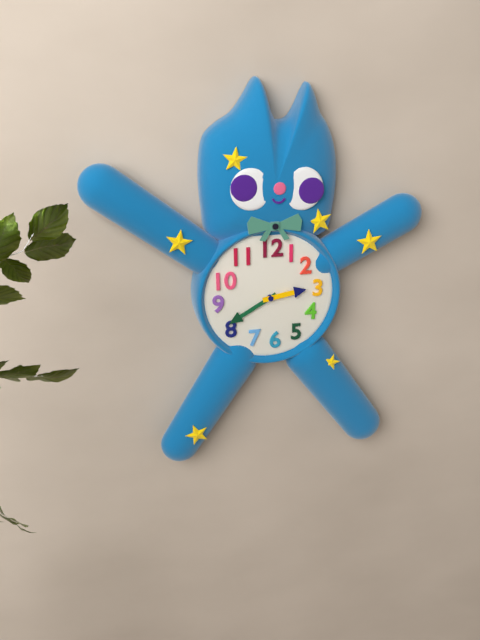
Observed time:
2:40
